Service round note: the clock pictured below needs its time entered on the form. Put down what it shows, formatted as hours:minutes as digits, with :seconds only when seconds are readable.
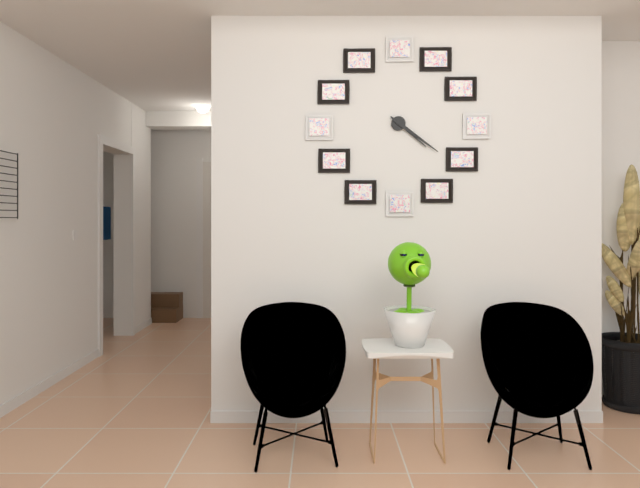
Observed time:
4:21
